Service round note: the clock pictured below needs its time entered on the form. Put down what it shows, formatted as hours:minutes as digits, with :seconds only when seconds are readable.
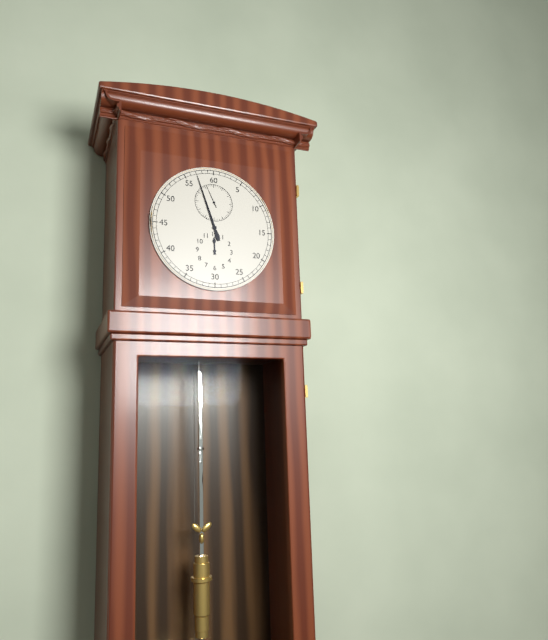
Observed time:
11:57
